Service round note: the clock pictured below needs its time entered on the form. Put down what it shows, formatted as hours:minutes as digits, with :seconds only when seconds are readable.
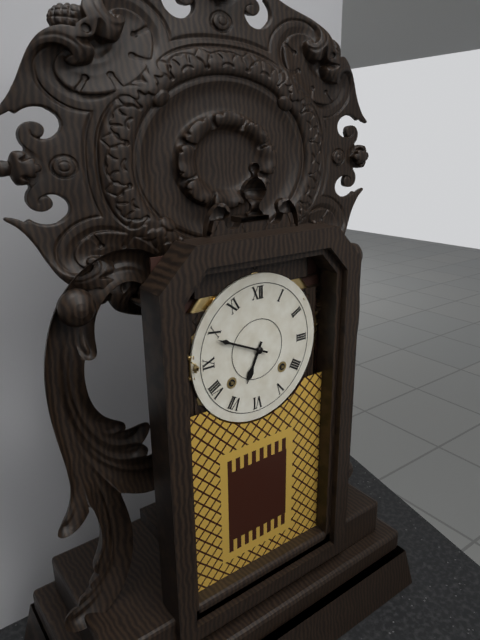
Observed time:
6:49
